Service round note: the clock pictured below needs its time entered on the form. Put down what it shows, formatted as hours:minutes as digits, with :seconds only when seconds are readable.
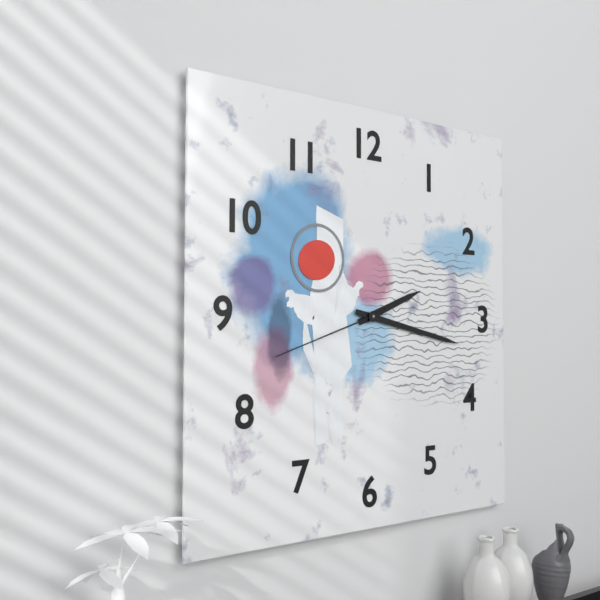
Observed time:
2:17:42
